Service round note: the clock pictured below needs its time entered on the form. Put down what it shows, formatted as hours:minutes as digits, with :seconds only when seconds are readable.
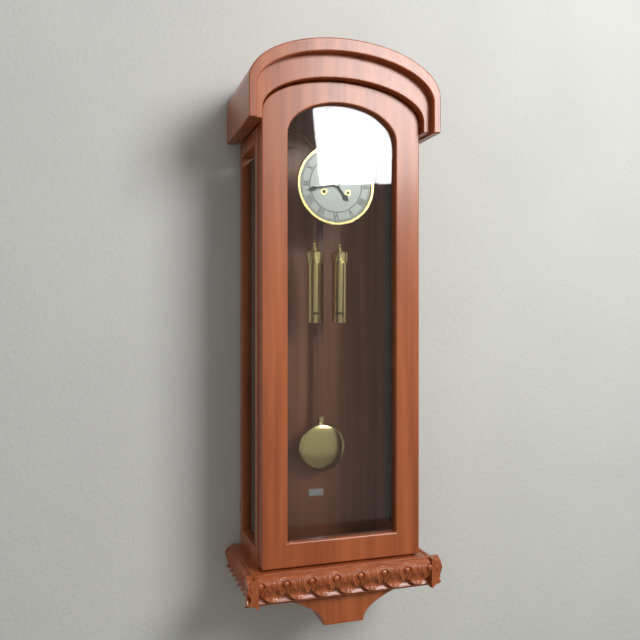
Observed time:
4:43
